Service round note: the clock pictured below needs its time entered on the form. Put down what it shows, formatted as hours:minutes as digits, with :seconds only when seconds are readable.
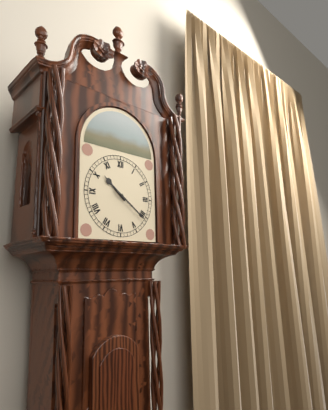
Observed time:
10:21
